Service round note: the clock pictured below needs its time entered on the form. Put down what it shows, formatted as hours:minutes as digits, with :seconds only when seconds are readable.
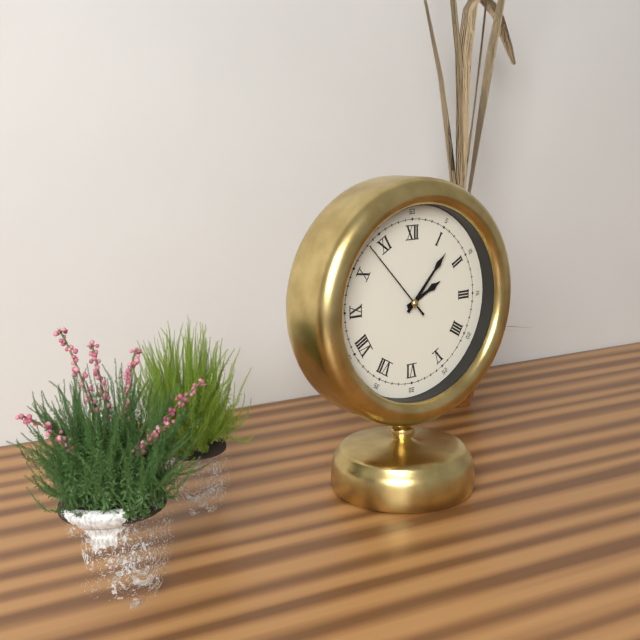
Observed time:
2:07:53
